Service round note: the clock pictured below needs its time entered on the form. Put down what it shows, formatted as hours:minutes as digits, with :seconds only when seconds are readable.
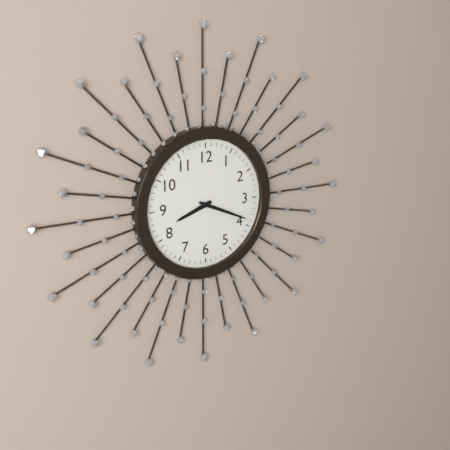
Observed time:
8:19
